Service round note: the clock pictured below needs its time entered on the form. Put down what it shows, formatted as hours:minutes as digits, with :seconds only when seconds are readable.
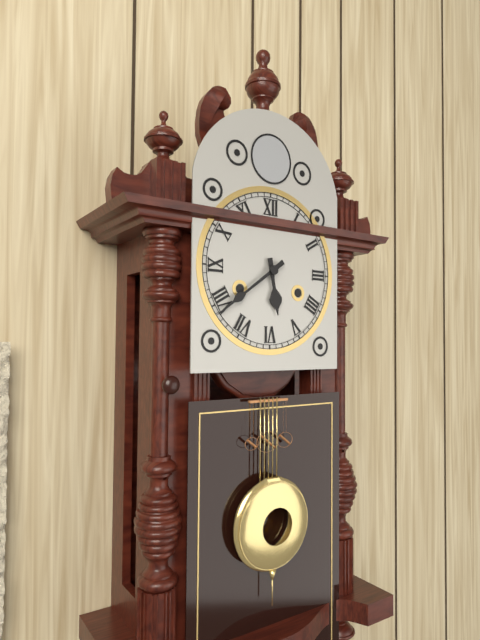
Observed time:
5:39
